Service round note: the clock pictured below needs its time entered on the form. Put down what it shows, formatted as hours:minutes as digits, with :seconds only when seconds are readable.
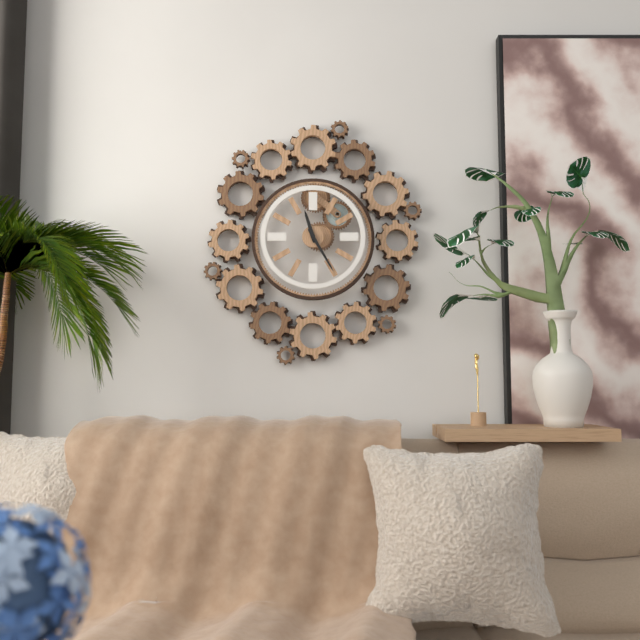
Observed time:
11:25
